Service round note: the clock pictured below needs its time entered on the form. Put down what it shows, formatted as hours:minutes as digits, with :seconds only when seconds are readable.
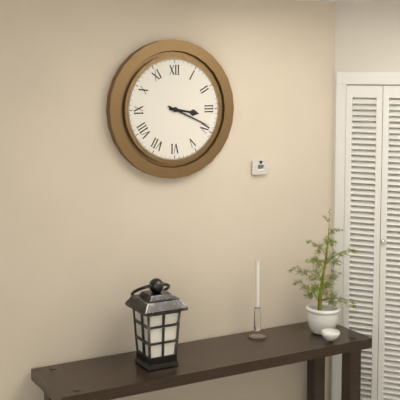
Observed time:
3:19
